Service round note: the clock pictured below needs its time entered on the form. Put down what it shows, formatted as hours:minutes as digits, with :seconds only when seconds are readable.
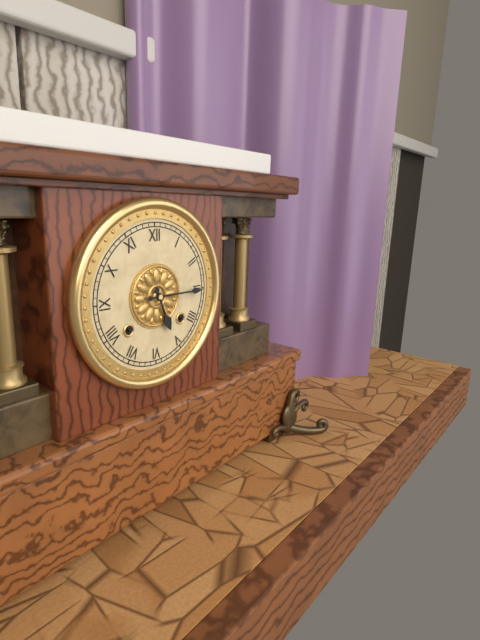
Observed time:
5:15
